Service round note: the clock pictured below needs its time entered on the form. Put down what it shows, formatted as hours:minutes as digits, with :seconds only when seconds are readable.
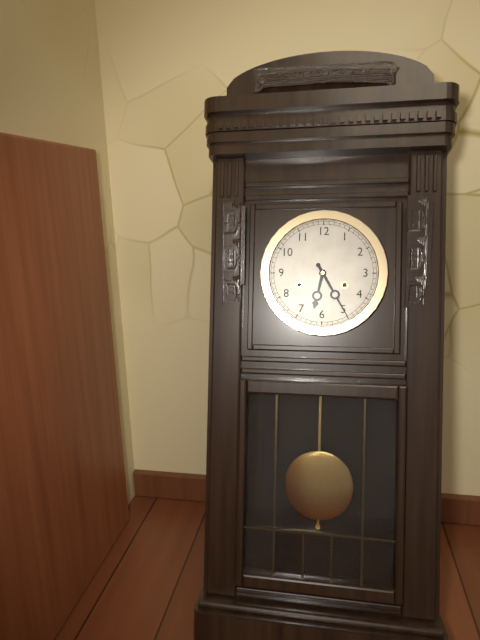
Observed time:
6:25
